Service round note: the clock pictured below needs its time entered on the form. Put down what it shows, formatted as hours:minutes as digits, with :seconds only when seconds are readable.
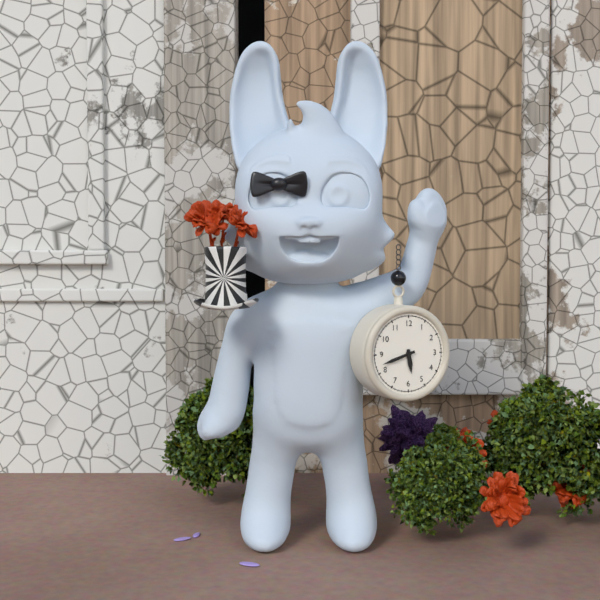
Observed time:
5:42
